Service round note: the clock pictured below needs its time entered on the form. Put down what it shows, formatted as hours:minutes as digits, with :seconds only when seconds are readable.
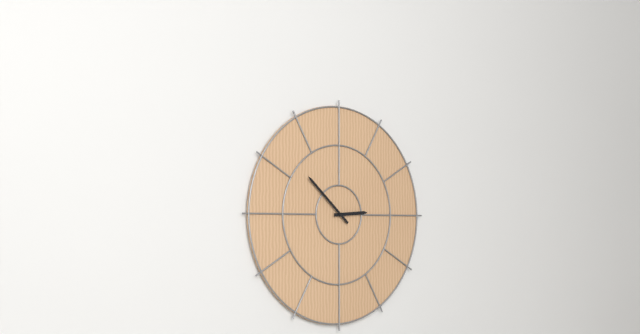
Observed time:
2:52
